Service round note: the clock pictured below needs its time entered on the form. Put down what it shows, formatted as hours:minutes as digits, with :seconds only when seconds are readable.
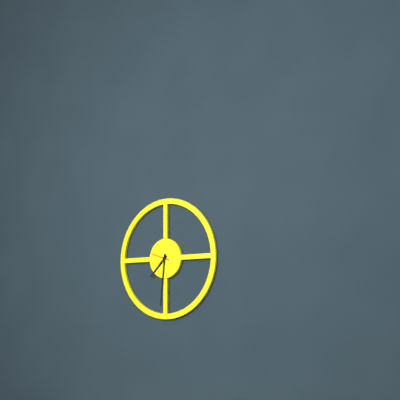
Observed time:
7:31
